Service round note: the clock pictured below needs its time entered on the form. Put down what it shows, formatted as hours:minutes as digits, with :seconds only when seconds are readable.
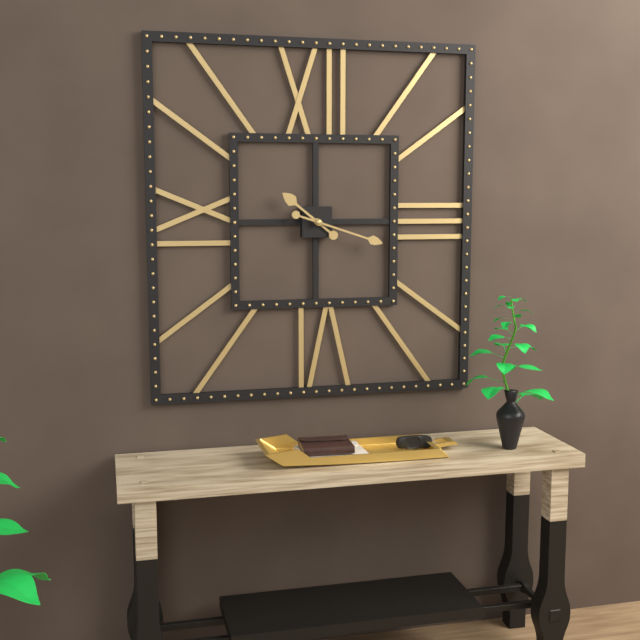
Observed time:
10:18
